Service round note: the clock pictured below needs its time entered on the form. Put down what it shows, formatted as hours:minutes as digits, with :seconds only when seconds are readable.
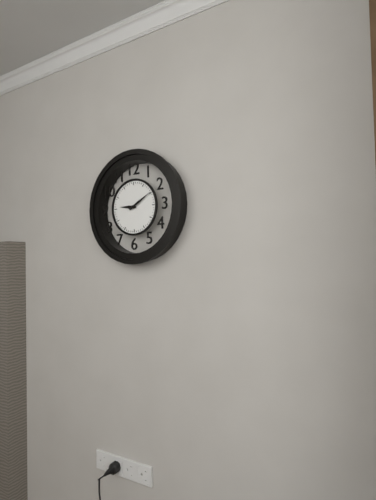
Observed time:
9:10
